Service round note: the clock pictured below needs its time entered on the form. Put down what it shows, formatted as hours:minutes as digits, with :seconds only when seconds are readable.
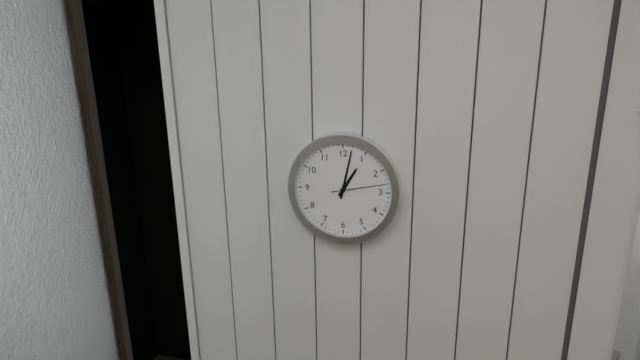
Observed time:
1:02:13
